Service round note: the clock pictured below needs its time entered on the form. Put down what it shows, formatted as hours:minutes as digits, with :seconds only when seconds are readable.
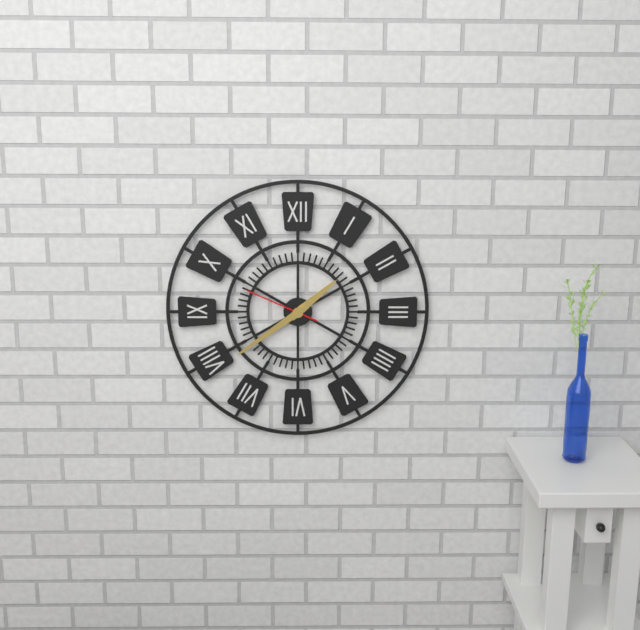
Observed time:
1:39:49
